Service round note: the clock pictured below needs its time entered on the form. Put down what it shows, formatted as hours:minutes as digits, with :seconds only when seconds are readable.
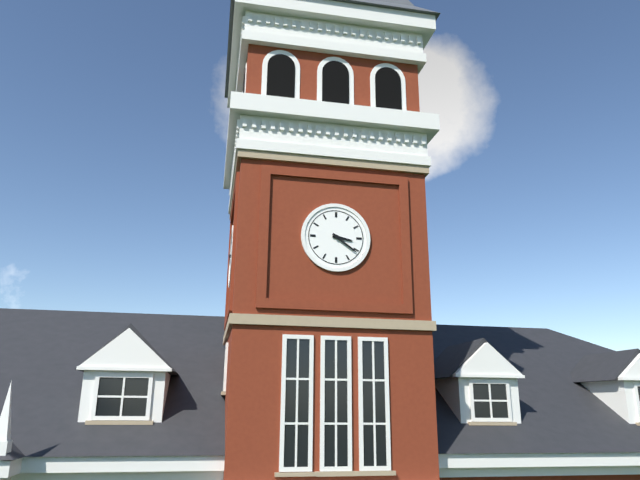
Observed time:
3:21
